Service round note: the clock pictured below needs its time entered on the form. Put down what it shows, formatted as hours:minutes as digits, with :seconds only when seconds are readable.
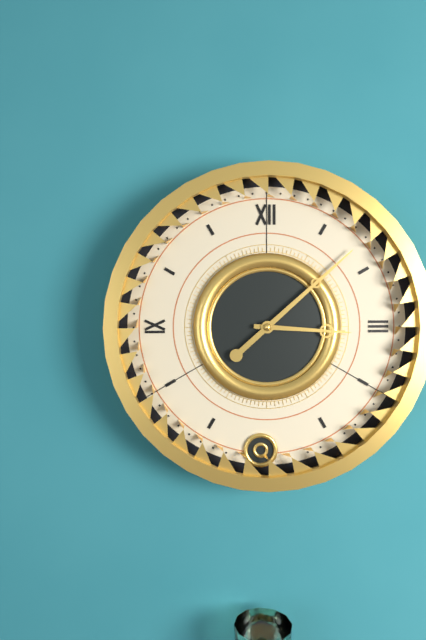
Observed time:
3:08
